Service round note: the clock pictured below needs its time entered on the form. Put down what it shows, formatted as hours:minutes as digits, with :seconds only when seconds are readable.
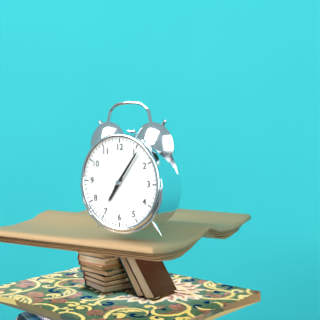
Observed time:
7:06
